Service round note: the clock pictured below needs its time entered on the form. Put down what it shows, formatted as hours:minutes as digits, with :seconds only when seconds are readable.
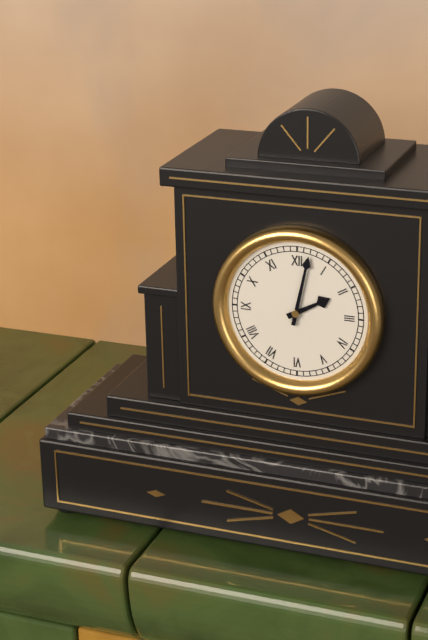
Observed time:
2:02
